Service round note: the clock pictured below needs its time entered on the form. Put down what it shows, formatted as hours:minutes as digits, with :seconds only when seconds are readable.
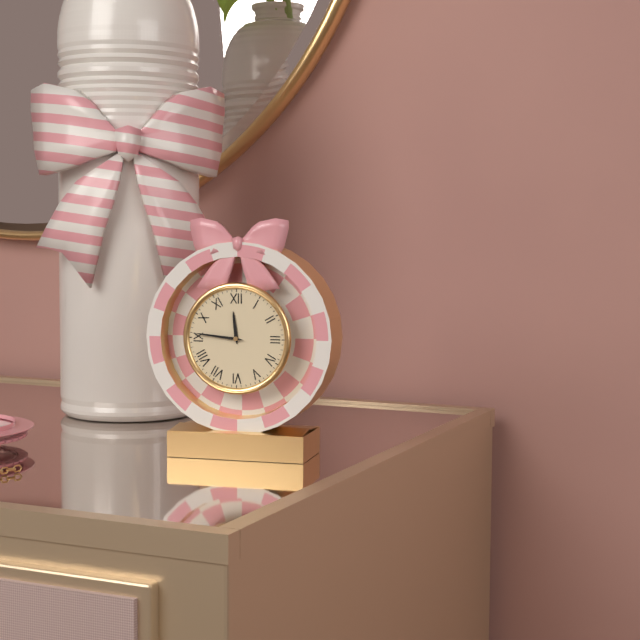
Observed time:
11:46
